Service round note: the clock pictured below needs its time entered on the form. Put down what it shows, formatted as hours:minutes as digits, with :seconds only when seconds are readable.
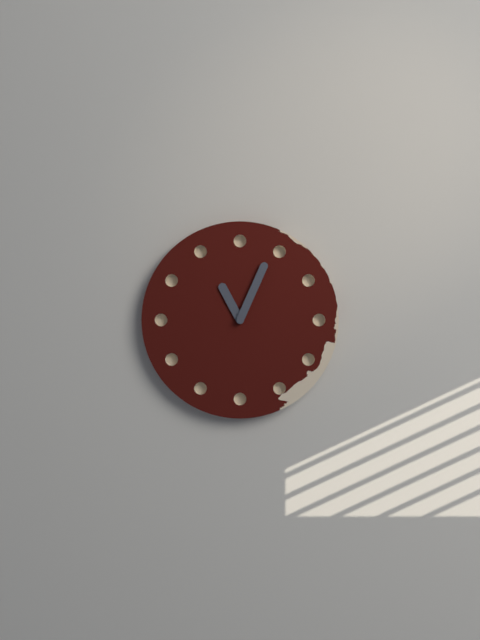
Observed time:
11:04
